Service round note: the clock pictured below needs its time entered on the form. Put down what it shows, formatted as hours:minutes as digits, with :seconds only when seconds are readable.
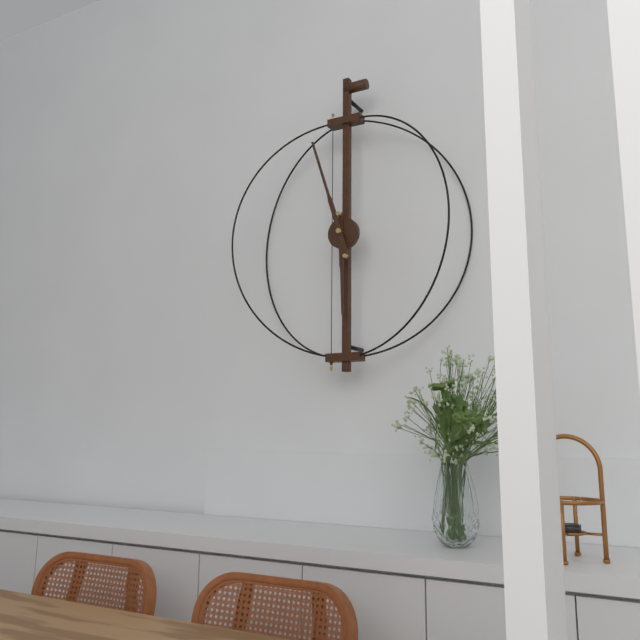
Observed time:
5:57
